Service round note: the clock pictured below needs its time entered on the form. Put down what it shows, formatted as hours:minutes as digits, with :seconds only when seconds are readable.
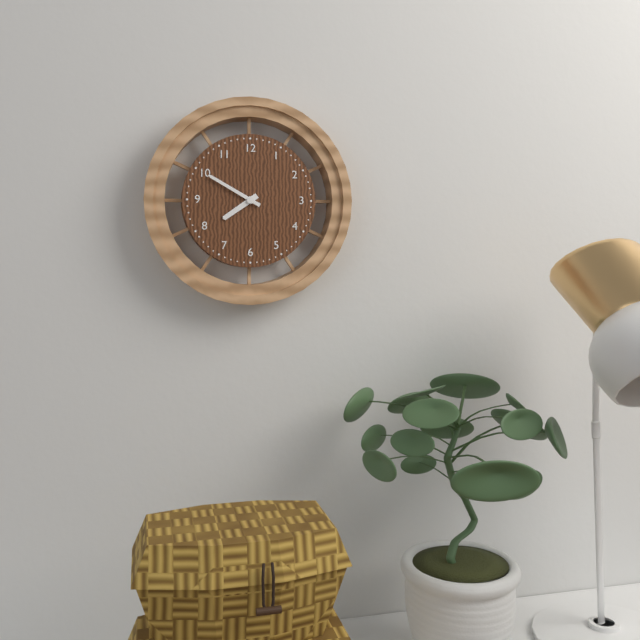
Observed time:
7:50
